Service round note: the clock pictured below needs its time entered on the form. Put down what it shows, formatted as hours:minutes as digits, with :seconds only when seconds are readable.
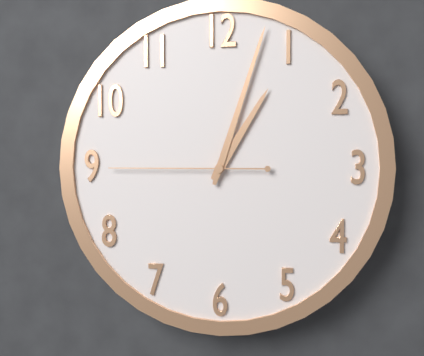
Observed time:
1:03:45
